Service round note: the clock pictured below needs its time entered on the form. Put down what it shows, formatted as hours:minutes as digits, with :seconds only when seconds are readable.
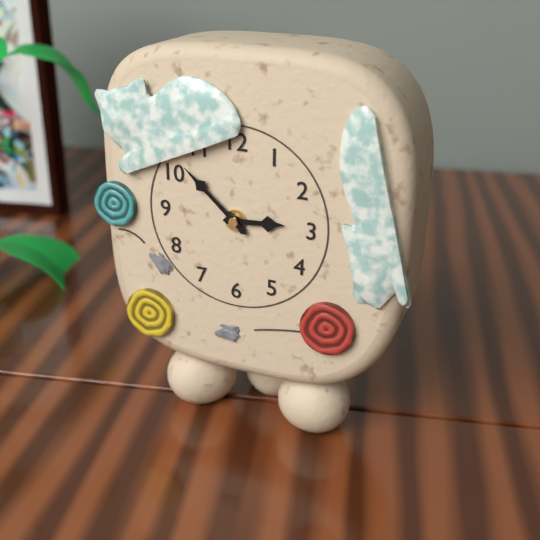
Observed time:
2:52
